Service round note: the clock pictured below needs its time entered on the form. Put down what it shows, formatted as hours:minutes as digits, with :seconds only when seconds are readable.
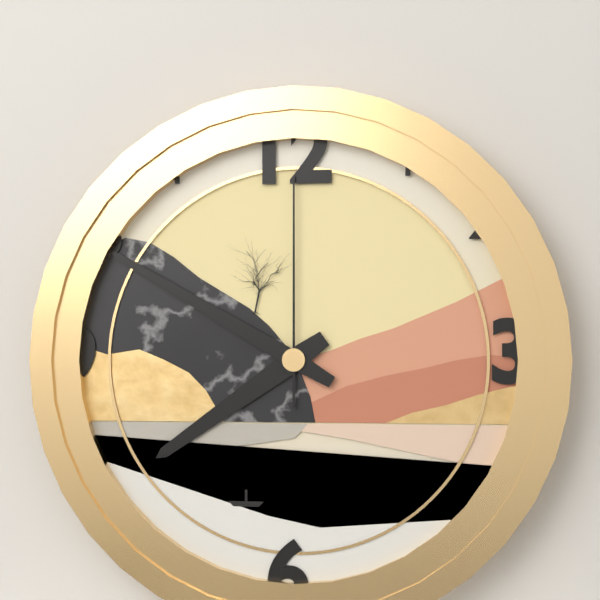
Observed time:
7:50:00
